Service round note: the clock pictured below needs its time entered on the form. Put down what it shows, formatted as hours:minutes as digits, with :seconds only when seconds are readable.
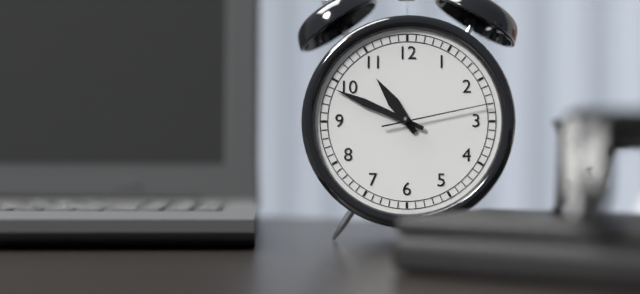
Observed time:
10:49:13
